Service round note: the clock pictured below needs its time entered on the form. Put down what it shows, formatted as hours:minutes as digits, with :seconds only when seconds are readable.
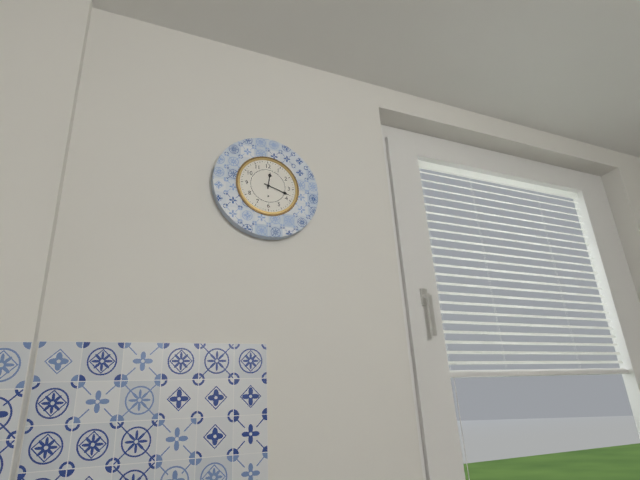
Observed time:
12:18
